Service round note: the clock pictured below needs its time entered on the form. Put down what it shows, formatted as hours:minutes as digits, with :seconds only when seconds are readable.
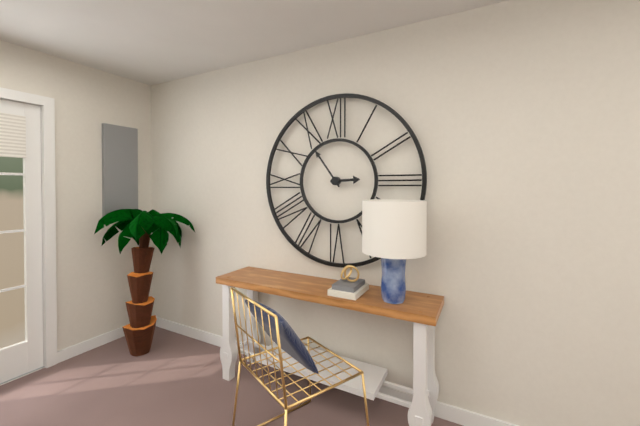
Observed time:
2:54
